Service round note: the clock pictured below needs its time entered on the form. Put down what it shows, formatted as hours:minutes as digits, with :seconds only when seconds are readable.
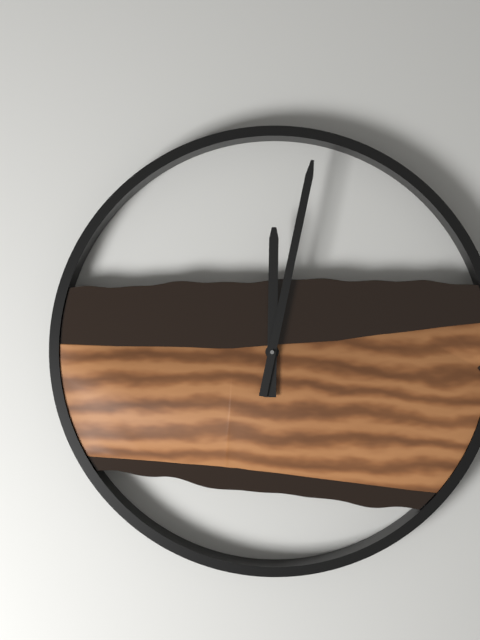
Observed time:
12:02
